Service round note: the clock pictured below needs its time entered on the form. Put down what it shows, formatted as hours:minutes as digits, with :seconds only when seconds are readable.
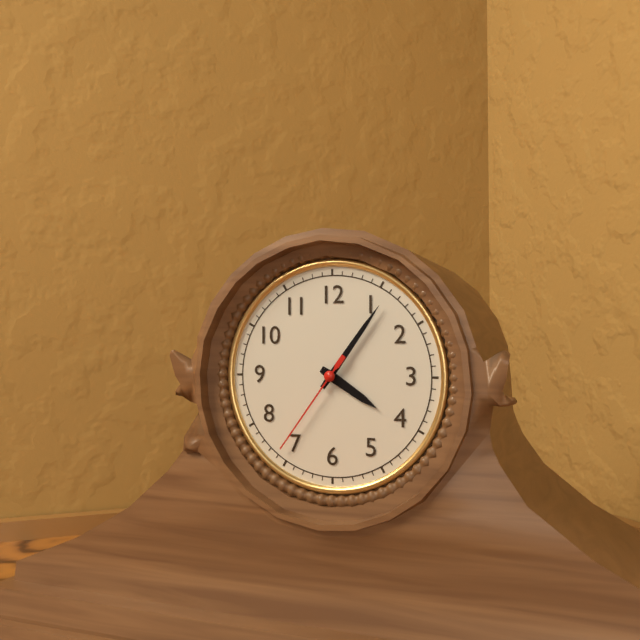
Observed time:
4:06:36
